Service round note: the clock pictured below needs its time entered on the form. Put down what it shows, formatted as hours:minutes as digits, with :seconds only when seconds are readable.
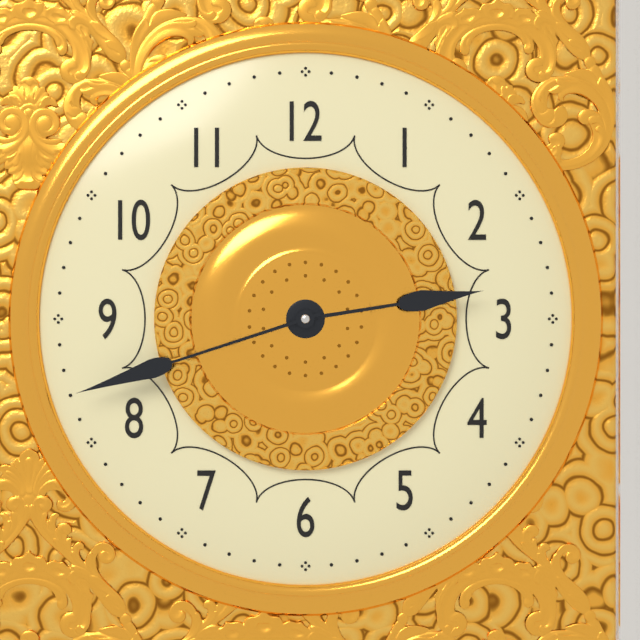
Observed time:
2:42
